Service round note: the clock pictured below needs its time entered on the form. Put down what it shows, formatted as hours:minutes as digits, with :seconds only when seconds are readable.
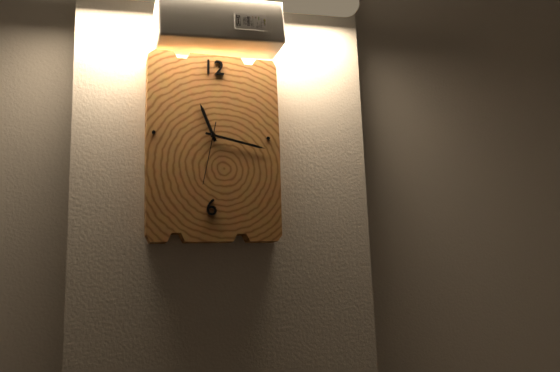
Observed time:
11:17:32
